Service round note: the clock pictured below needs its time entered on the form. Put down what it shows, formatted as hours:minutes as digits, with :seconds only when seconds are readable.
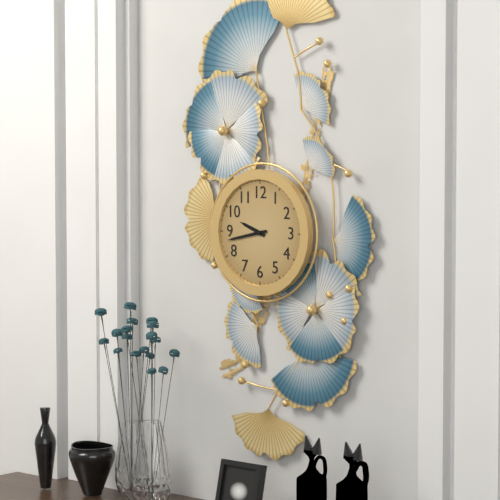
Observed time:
9:43
